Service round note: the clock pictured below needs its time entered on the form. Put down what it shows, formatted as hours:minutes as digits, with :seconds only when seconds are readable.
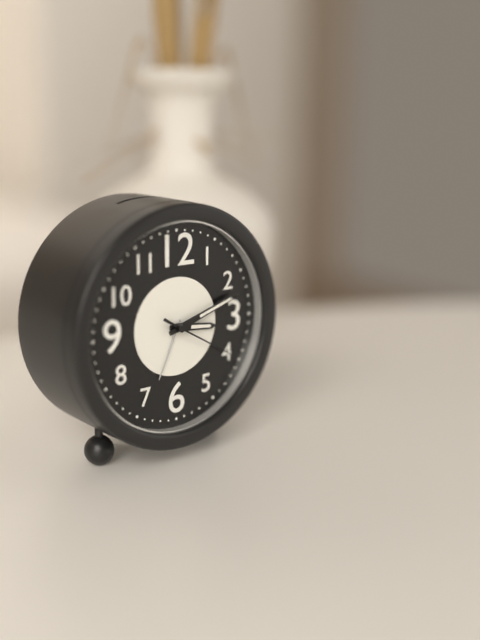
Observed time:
3:12:20
